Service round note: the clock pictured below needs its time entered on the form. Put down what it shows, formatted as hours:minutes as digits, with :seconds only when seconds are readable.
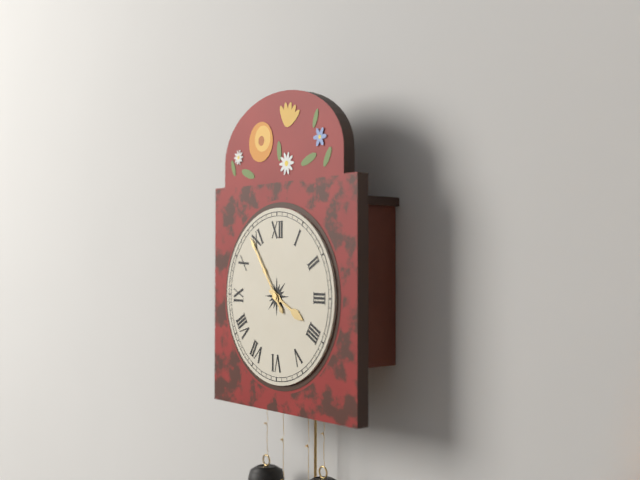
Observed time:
3:54
